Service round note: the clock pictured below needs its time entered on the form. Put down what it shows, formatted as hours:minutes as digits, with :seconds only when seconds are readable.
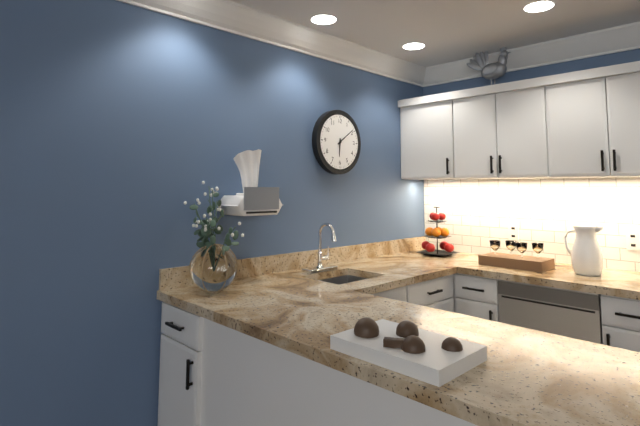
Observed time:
6:09
